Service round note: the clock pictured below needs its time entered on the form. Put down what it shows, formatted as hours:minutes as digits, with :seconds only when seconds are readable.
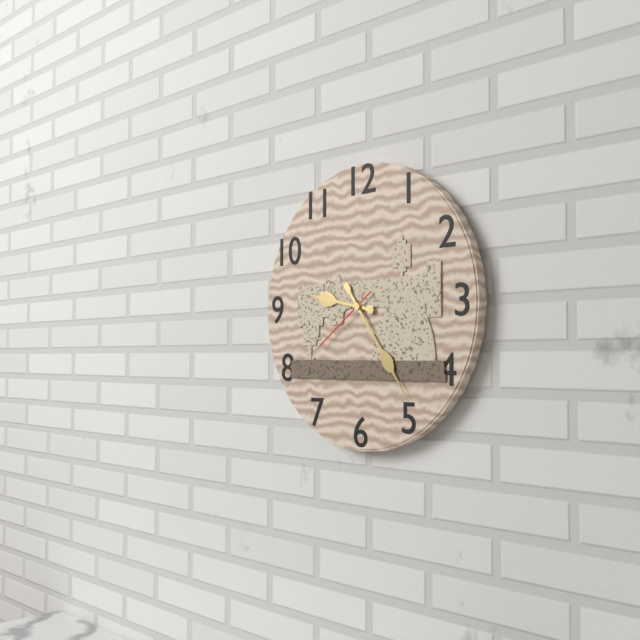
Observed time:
9:24:39
